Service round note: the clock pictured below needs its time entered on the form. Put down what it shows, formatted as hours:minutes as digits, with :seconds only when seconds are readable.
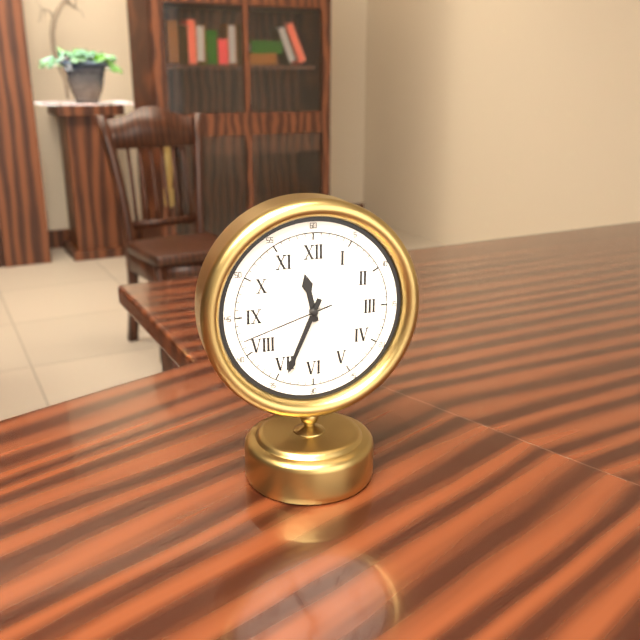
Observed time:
11:34:42
